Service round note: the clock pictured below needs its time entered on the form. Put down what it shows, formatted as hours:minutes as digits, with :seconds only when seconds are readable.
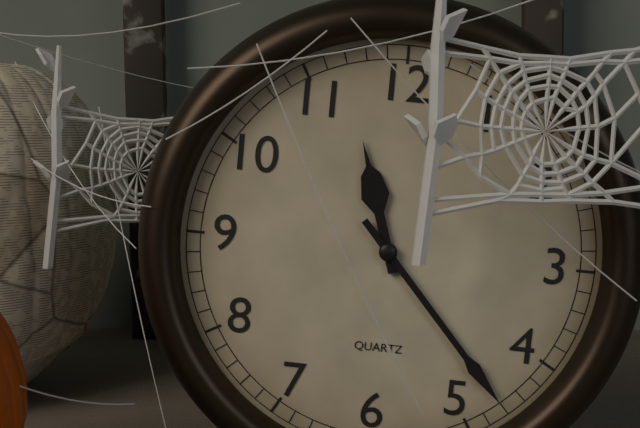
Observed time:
11:23
